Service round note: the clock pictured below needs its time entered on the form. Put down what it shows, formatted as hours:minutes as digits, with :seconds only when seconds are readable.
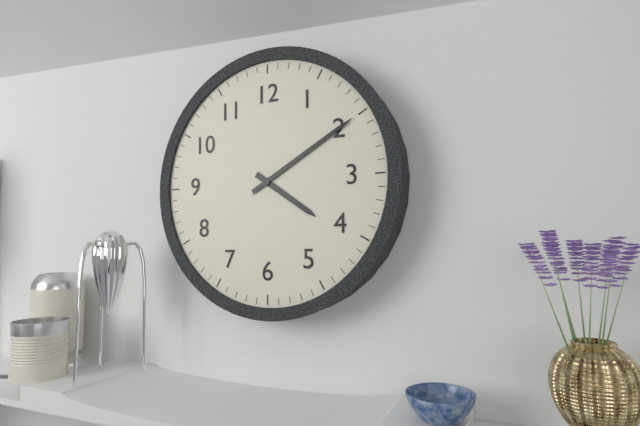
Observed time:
4:10
